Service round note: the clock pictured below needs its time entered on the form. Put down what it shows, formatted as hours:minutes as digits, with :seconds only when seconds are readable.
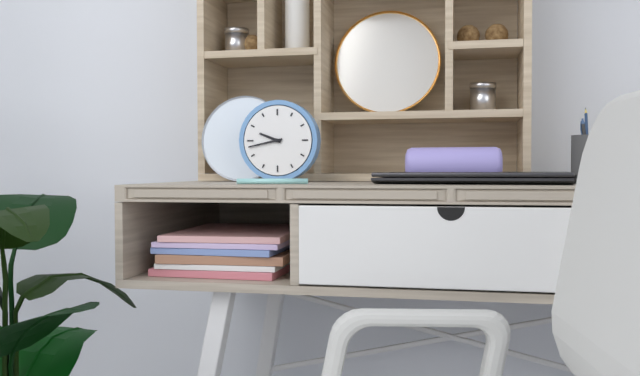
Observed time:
9:43
